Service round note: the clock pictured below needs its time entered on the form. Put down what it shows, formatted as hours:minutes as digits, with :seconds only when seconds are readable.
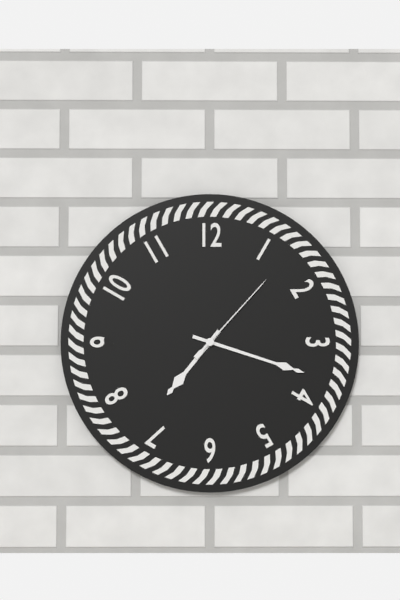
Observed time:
7:18:07
